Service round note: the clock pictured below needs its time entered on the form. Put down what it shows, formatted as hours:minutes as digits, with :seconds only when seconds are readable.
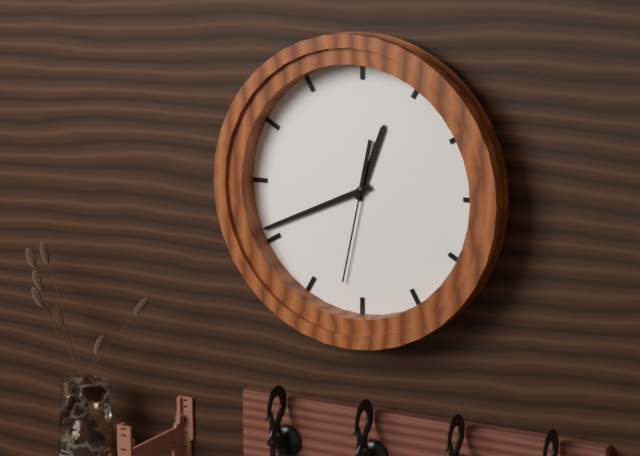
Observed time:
12:41:32
